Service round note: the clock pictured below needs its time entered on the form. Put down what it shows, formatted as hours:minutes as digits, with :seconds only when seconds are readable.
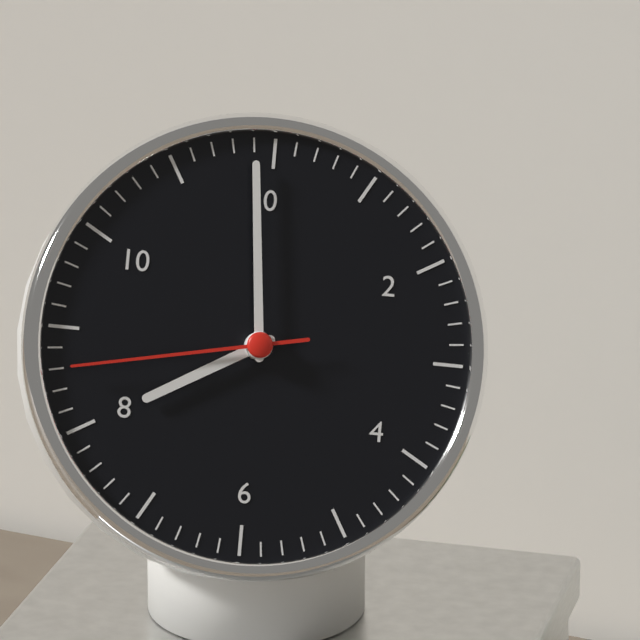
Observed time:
7:59:43
